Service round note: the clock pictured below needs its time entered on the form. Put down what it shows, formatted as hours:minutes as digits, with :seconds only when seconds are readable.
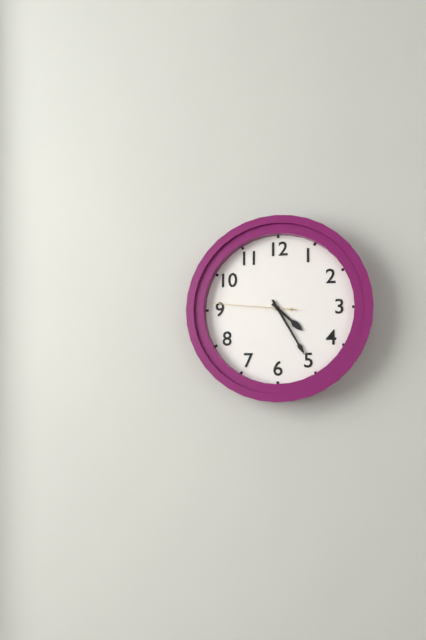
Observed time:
4:25:46
